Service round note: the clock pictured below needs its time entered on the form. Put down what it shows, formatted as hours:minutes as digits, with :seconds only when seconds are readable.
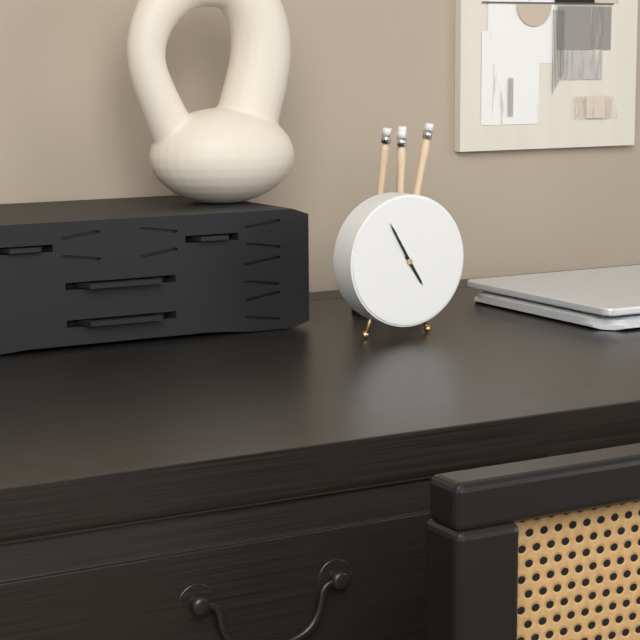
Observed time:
4:55
